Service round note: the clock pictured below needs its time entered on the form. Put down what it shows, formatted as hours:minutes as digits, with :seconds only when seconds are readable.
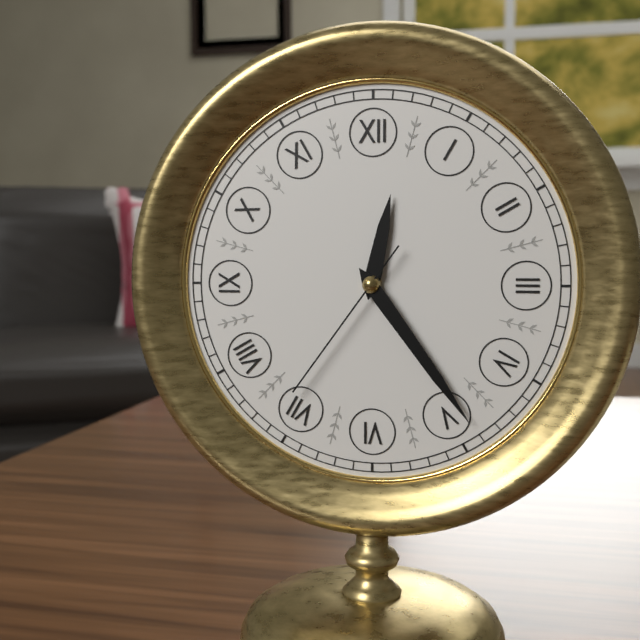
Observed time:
12:24:36
